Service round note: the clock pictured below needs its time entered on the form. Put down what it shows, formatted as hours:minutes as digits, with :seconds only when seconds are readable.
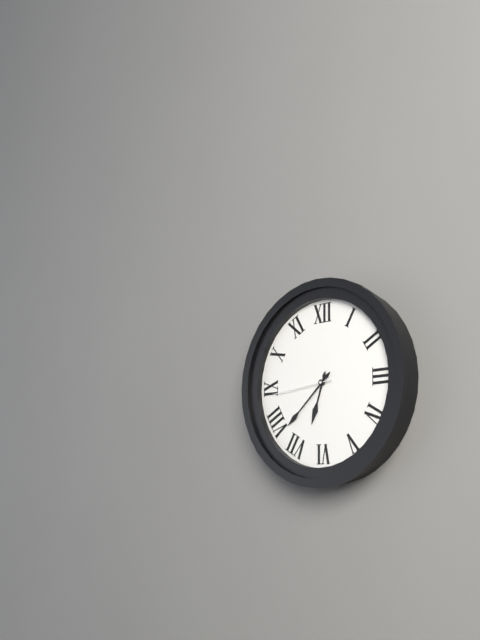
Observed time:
6:38:44
